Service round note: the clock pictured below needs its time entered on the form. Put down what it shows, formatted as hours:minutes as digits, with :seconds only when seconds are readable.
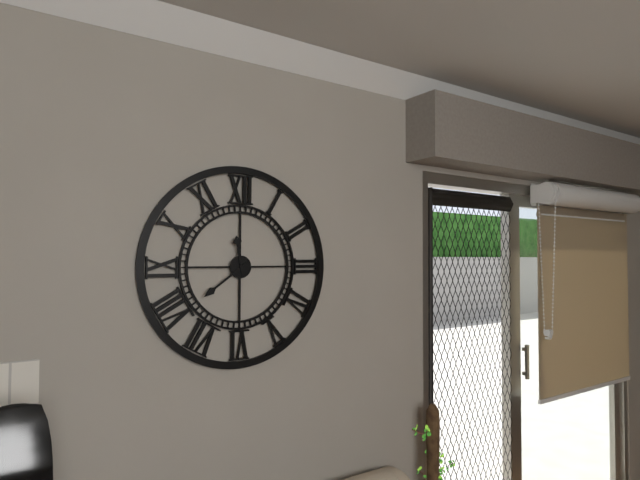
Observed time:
11:39
